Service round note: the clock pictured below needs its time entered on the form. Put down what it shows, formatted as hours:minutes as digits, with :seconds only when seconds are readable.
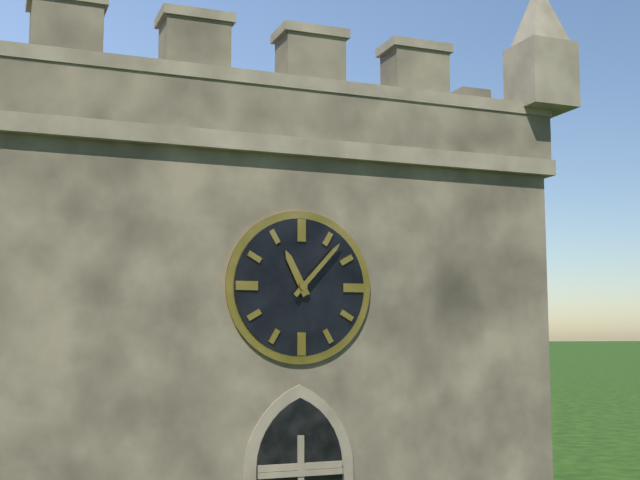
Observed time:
11:07
